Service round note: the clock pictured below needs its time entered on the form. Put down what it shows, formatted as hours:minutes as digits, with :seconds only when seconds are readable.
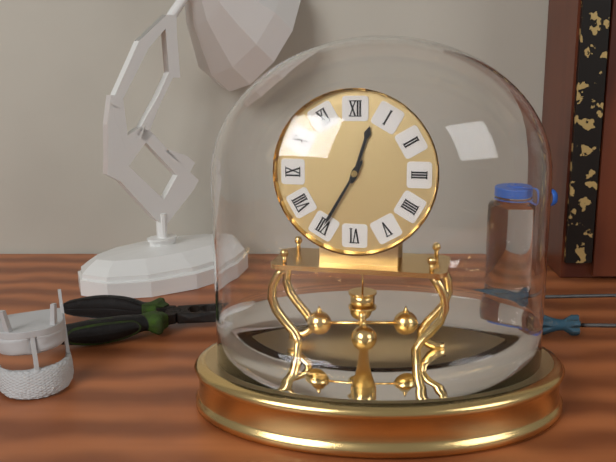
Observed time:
12:35
